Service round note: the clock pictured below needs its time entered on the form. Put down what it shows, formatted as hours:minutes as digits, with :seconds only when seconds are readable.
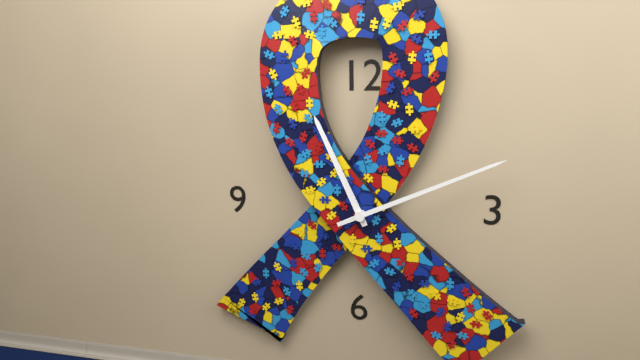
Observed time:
11:11
